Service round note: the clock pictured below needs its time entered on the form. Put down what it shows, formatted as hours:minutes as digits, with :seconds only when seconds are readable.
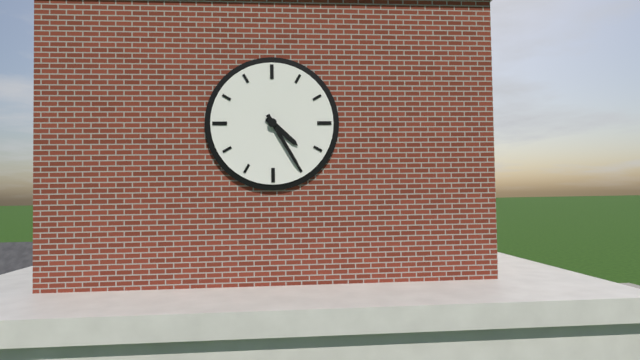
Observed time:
4:25
